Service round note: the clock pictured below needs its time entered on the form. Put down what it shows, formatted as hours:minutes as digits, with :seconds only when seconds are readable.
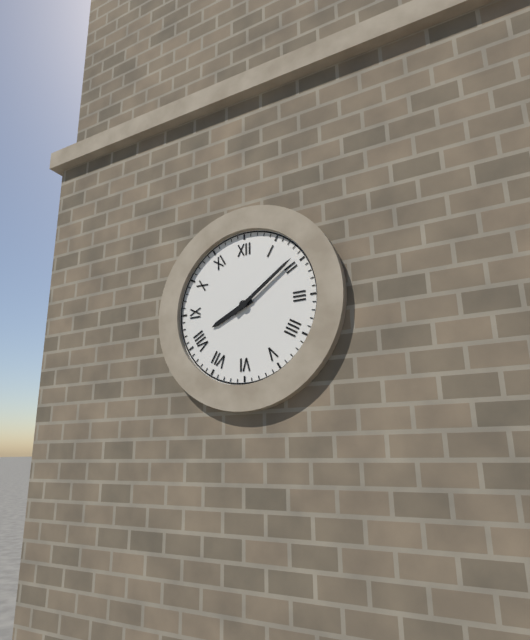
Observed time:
8:09
